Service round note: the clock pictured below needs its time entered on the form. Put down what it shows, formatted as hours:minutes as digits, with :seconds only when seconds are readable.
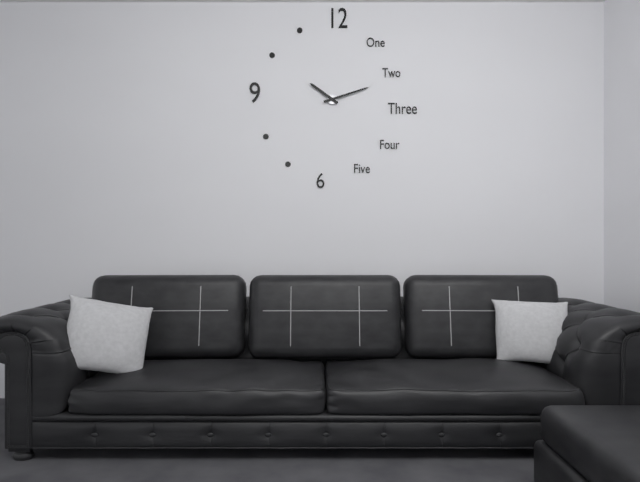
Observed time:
10:12
